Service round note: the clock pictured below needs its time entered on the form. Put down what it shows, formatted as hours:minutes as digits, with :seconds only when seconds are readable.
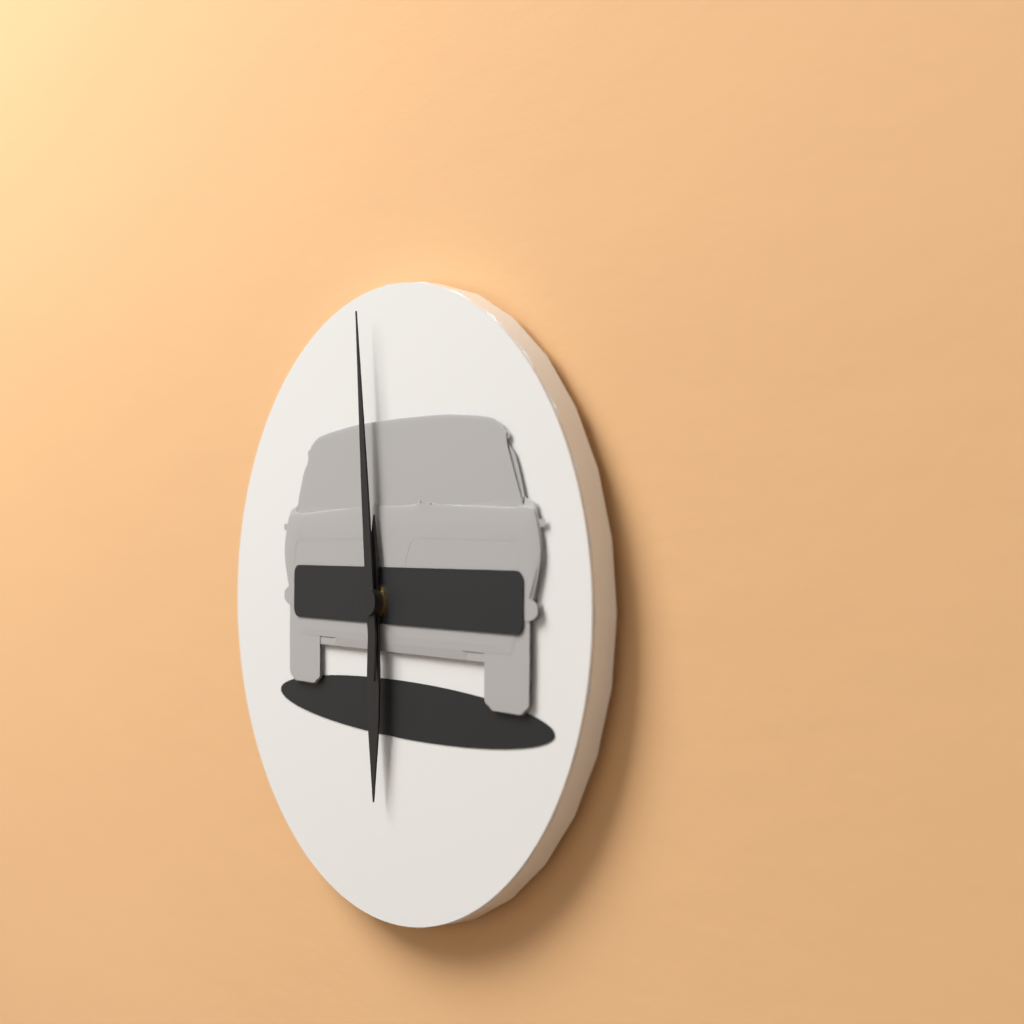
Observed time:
5:59
